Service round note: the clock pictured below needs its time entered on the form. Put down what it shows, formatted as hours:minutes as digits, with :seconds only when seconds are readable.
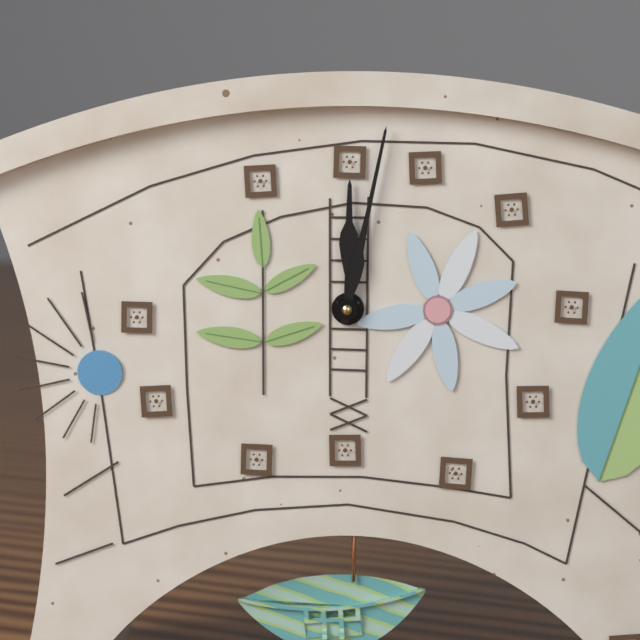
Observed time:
12:02
